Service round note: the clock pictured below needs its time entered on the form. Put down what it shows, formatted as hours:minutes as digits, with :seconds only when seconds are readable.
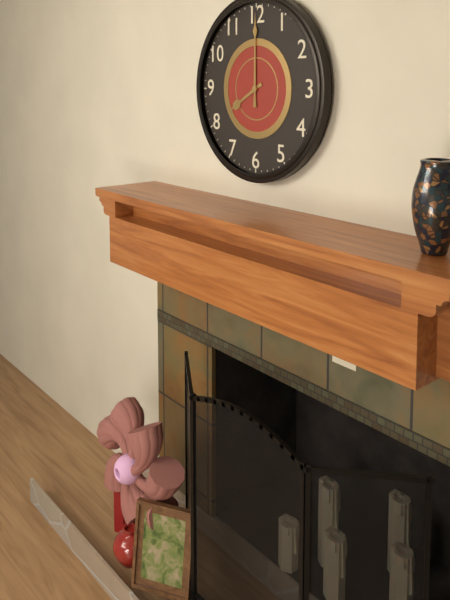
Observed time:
8:00
